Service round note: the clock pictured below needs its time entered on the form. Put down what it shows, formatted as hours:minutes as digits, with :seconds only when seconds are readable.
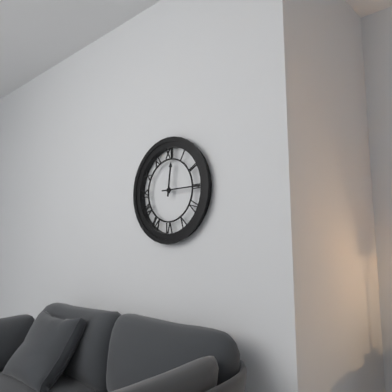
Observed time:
12:15
